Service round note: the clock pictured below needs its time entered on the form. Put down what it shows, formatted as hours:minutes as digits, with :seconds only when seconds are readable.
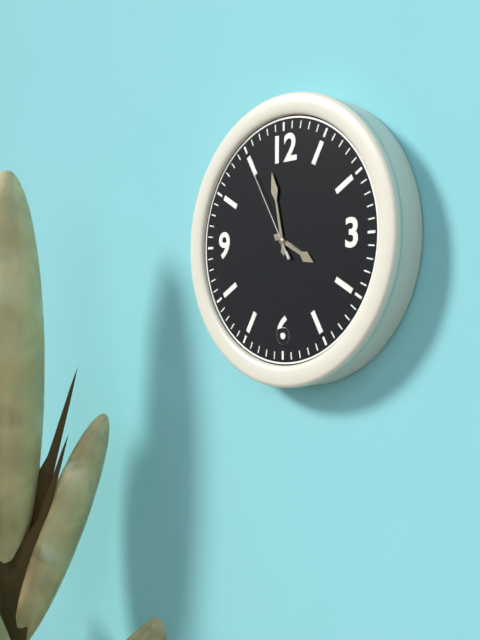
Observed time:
3:58:55
